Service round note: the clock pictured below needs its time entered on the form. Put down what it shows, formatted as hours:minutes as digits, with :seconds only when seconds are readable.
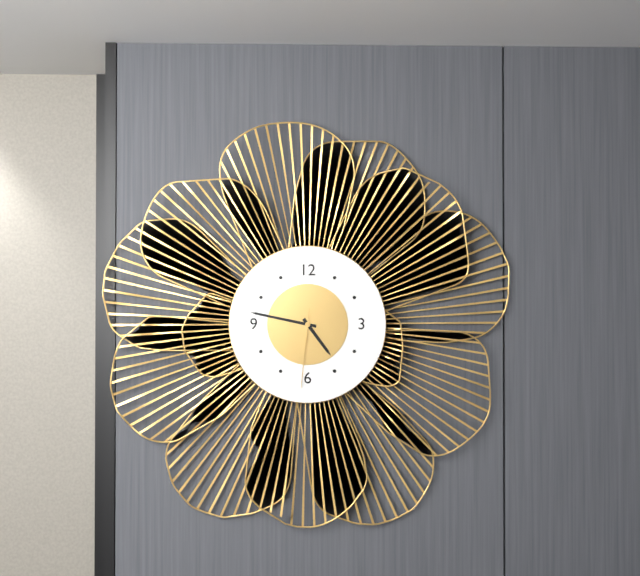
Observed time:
4:47:31
